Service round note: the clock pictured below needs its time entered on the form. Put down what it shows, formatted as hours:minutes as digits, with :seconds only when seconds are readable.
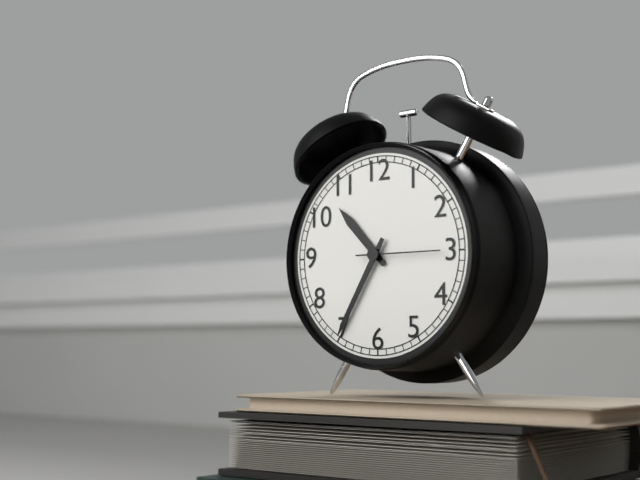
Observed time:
10:35:15
